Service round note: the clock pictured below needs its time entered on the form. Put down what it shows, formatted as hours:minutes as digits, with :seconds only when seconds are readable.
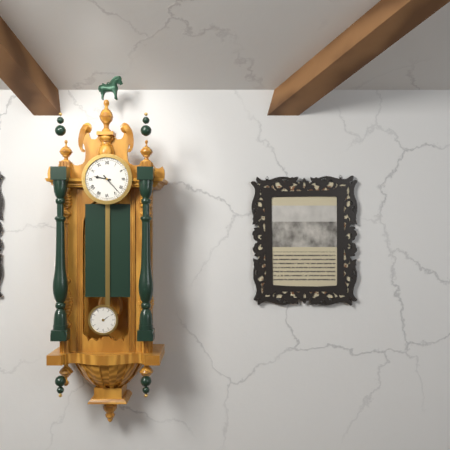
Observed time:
9:23
